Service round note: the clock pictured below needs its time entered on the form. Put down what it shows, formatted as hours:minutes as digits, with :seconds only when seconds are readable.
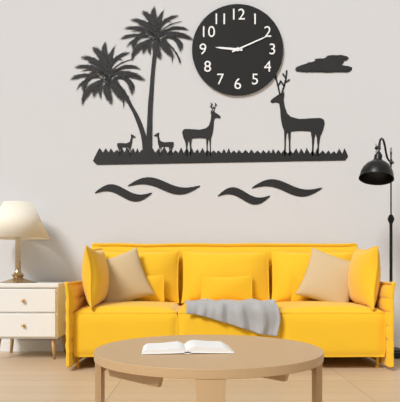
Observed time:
9:11
